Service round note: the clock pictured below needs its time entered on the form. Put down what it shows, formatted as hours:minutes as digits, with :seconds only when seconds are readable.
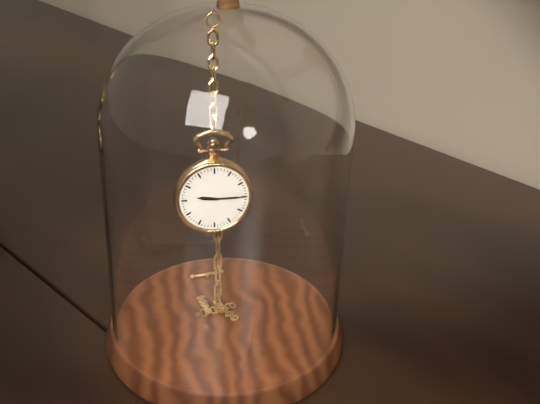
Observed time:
9:15
